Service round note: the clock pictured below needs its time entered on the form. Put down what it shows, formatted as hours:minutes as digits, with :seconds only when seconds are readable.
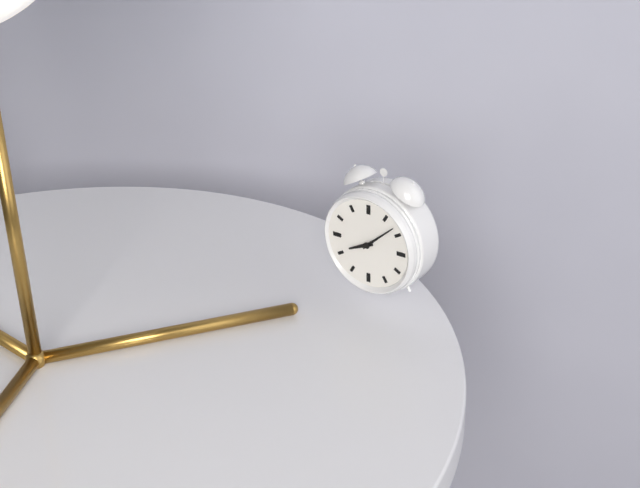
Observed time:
8:08
